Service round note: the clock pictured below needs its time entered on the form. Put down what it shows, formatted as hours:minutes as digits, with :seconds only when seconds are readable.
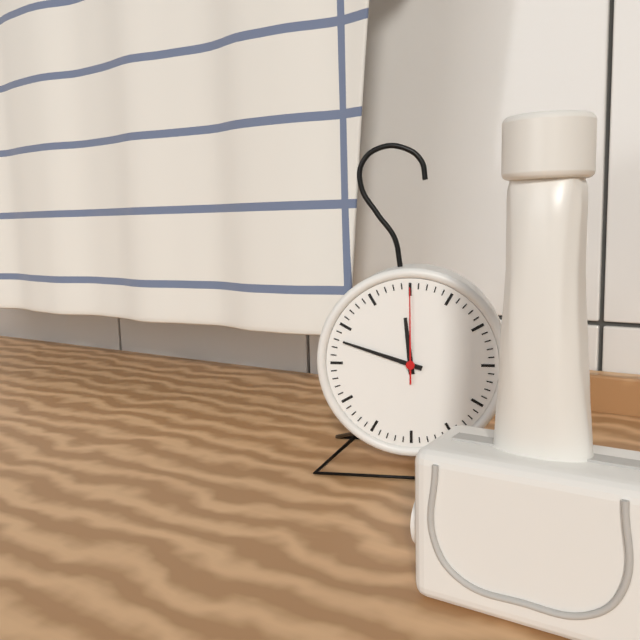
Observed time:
11:48:00
